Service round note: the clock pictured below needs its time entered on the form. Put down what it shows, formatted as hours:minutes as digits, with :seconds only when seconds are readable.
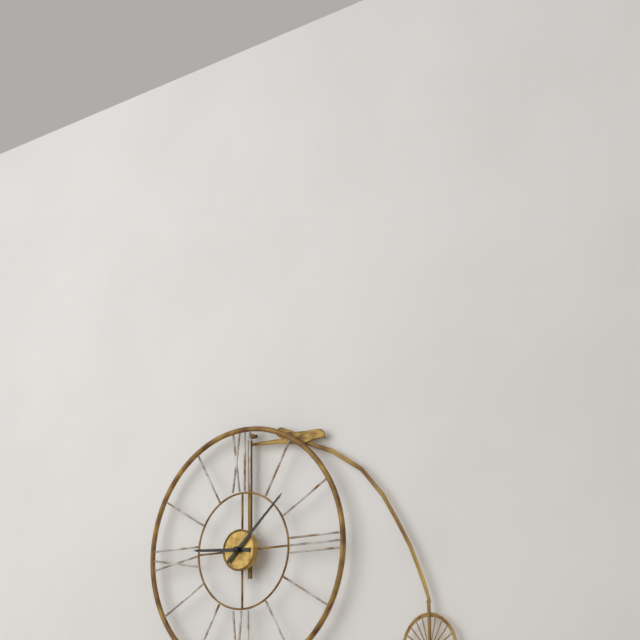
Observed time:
9:08
